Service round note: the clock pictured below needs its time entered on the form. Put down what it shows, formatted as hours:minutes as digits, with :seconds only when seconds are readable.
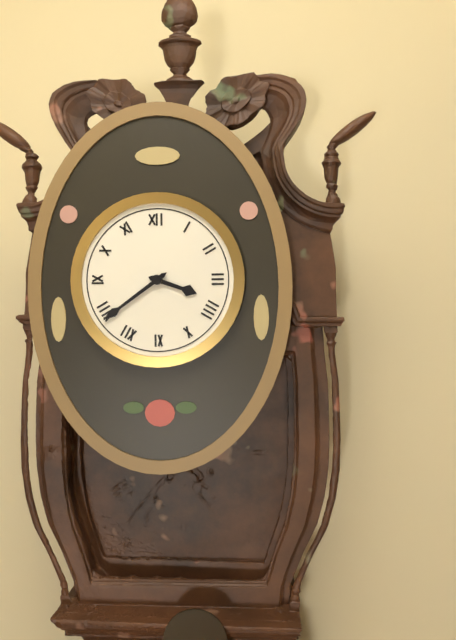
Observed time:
3:39
